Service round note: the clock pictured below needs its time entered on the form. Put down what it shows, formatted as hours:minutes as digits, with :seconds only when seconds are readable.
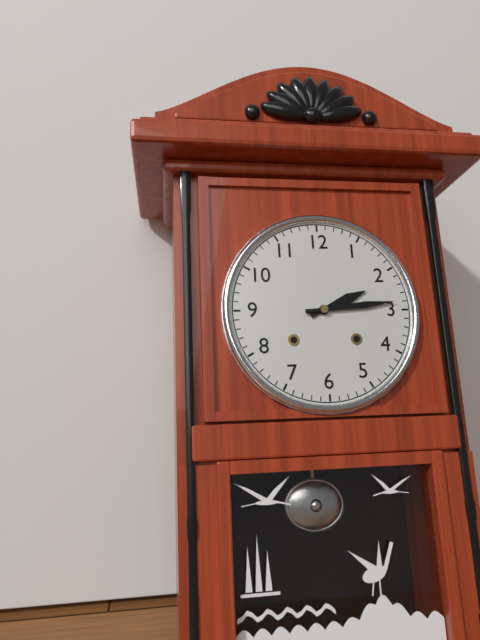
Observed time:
2:14
